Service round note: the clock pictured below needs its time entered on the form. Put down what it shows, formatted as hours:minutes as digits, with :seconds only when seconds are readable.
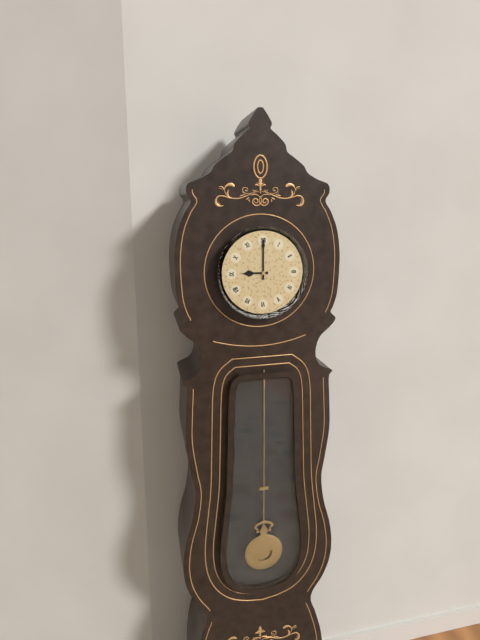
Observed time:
9:00
